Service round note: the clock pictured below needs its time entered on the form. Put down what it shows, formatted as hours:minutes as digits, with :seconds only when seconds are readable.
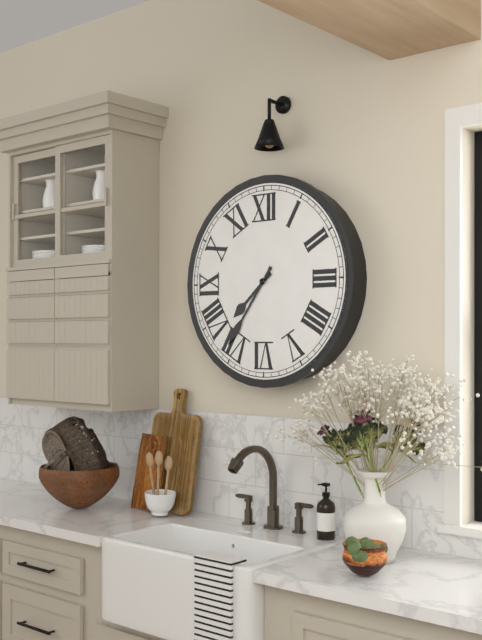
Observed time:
7:36
